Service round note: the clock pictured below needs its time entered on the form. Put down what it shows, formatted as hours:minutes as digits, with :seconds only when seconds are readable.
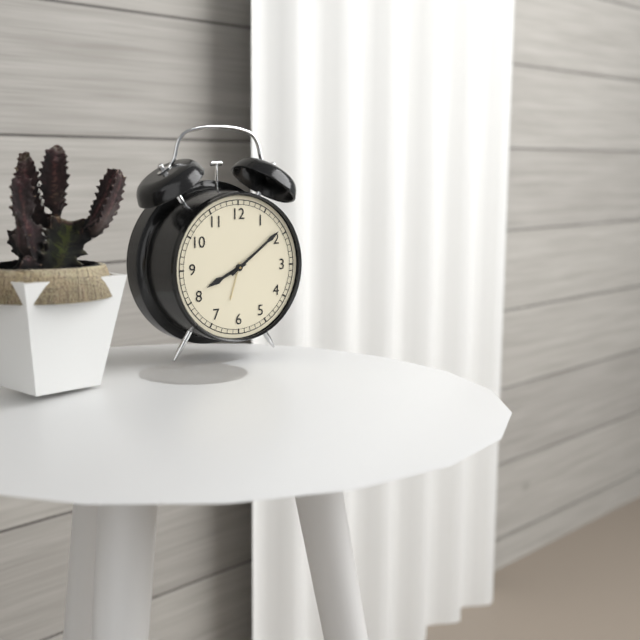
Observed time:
8:09
